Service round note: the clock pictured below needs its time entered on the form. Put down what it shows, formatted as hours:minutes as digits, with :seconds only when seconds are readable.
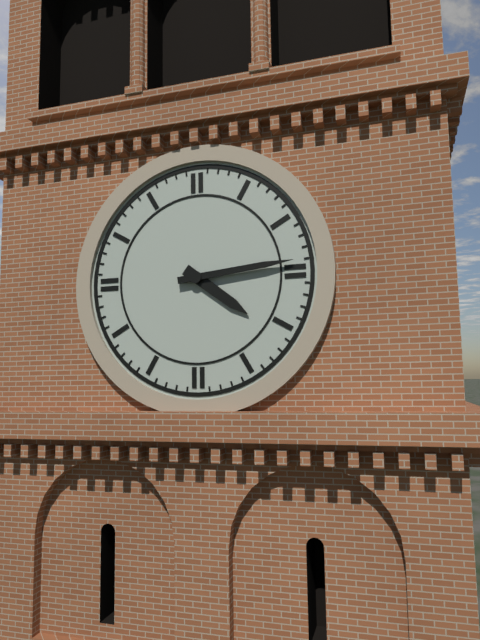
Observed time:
4:14
